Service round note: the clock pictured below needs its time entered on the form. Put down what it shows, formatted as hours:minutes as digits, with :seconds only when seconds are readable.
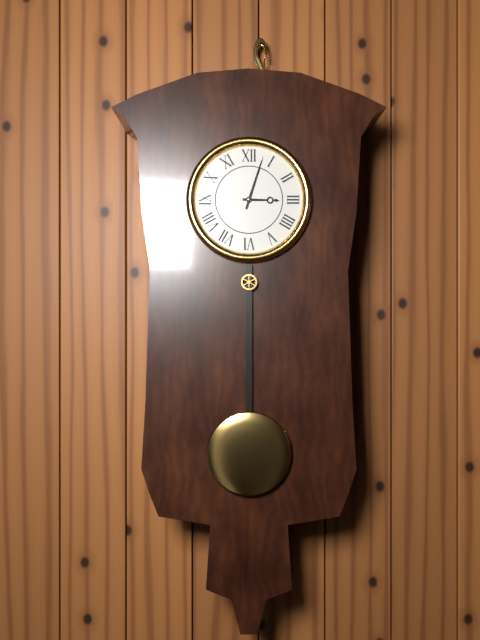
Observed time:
3:03
